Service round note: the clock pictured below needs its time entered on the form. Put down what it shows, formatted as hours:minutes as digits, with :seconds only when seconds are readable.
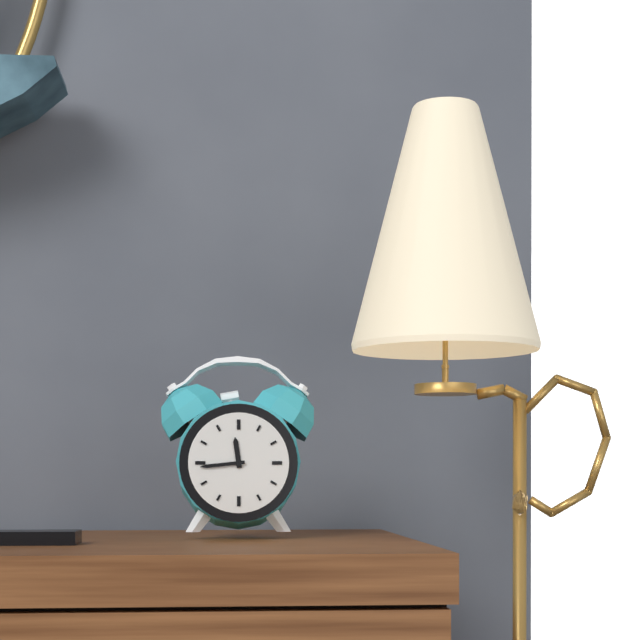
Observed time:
11:44
